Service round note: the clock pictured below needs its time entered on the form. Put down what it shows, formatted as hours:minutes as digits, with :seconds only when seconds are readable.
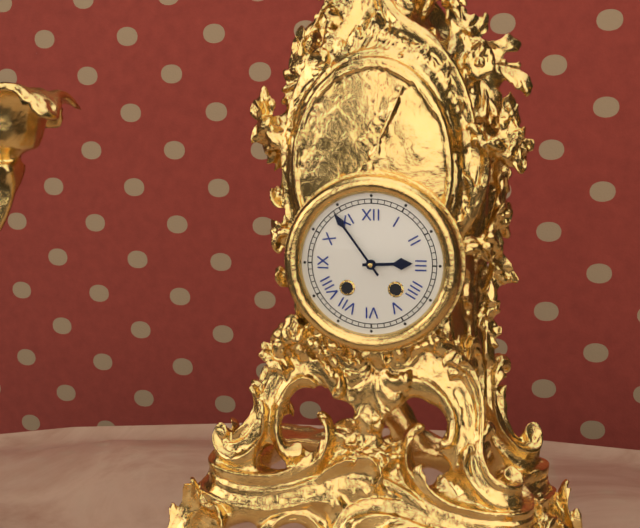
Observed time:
2:54
